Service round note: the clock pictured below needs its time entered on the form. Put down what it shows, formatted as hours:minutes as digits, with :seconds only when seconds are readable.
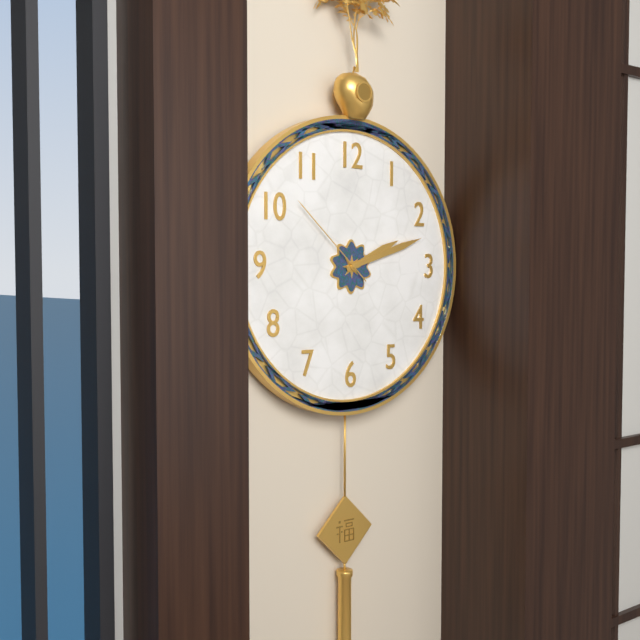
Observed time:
2:12:52
